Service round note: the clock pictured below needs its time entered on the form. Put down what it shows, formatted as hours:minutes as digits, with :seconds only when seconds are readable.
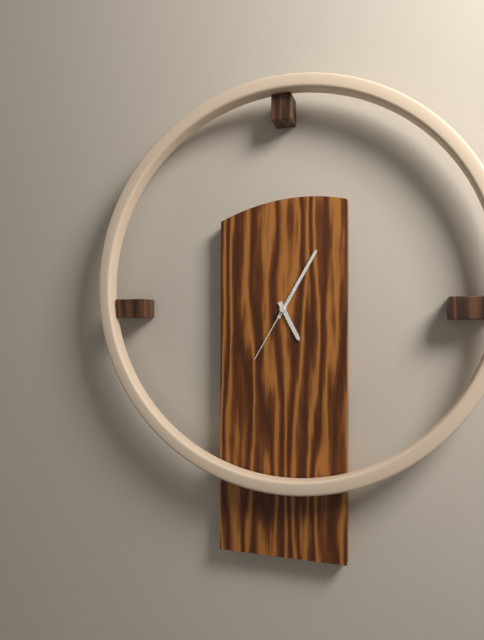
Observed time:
5:05:35
